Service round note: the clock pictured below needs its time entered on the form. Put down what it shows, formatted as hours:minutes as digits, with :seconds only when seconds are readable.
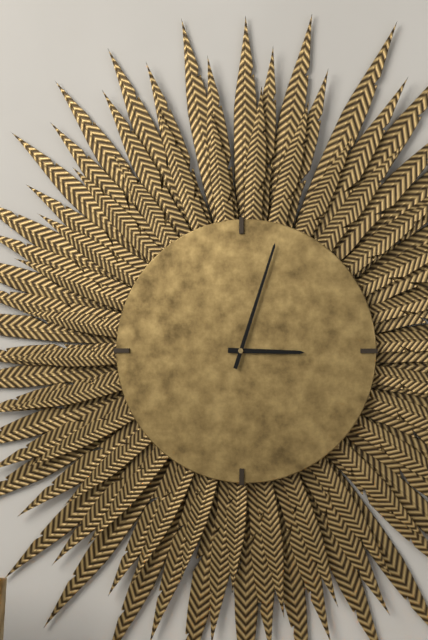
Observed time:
3:03
